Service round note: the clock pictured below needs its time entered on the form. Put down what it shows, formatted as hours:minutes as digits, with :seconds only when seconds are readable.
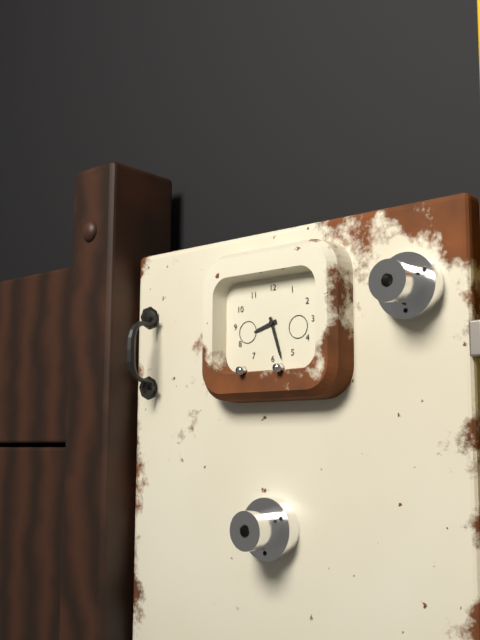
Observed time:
8:27
